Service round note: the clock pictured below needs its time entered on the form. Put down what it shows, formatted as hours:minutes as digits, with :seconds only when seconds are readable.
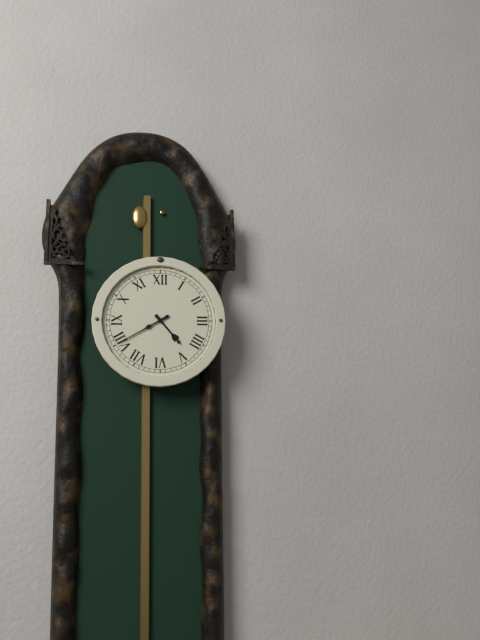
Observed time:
4:40
